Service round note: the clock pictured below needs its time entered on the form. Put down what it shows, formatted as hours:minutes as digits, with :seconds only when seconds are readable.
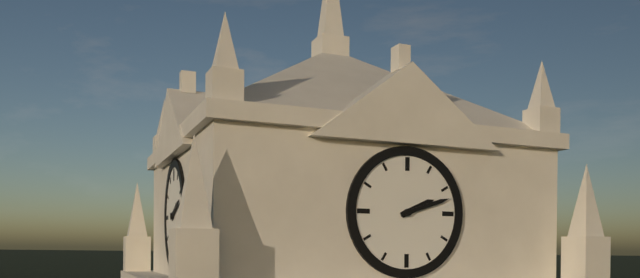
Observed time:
2:12
